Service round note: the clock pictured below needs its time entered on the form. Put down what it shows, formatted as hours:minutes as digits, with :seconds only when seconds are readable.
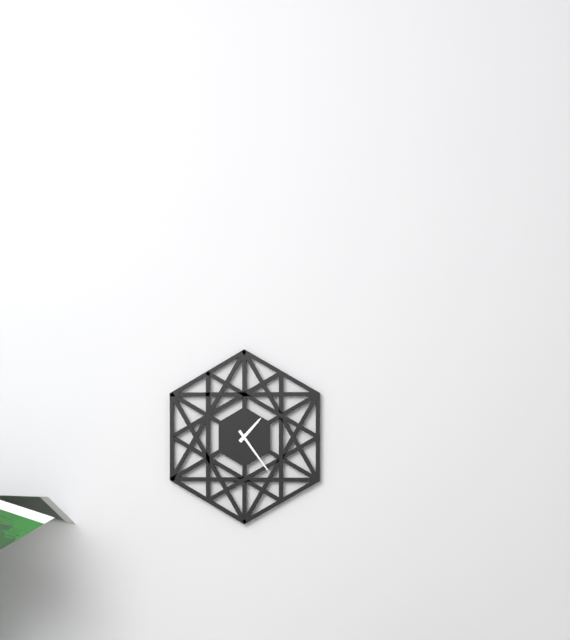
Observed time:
1:24
